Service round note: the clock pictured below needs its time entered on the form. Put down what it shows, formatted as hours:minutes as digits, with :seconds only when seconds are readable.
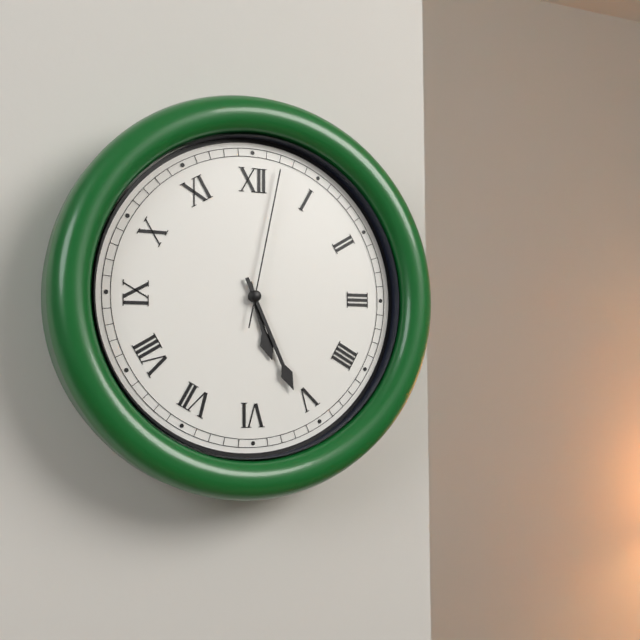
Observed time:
5:26:02
